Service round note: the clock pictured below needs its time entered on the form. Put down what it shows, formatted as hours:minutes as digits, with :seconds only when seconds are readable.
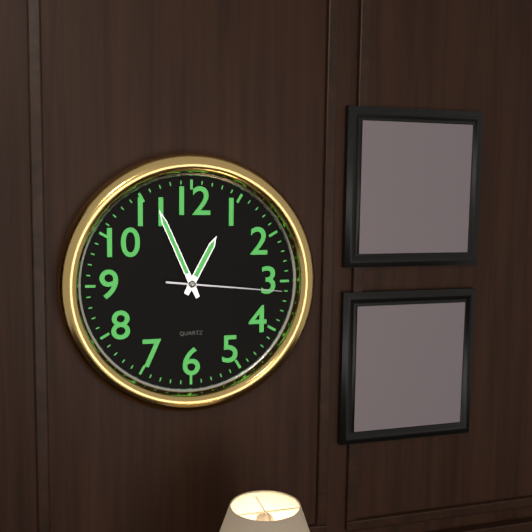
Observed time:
12:56:16
